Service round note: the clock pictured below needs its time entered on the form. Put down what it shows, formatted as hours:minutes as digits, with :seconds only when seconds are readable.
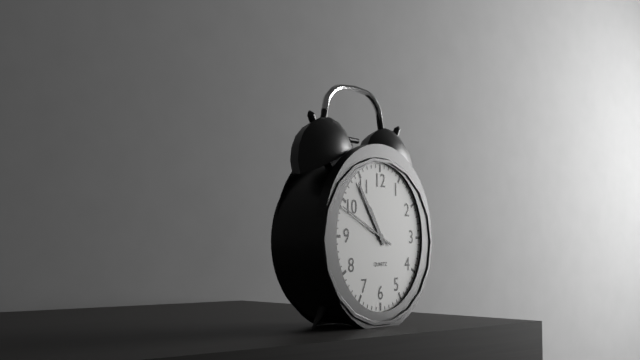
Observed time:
10:54:49
